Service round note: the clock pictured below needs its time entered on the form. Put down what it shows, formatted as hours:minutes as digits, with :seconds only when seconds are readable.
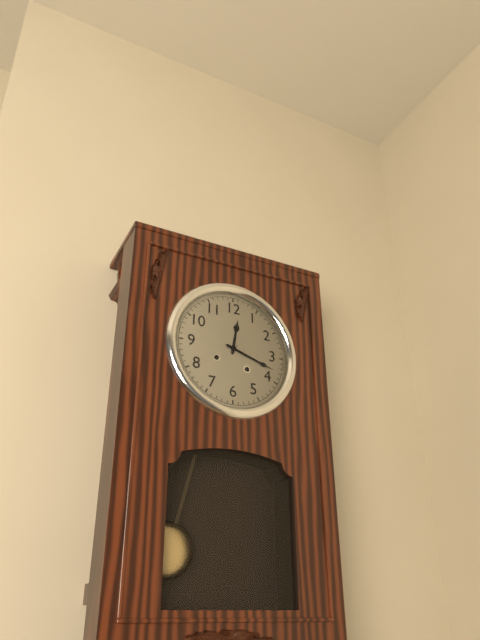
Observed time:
12:18
